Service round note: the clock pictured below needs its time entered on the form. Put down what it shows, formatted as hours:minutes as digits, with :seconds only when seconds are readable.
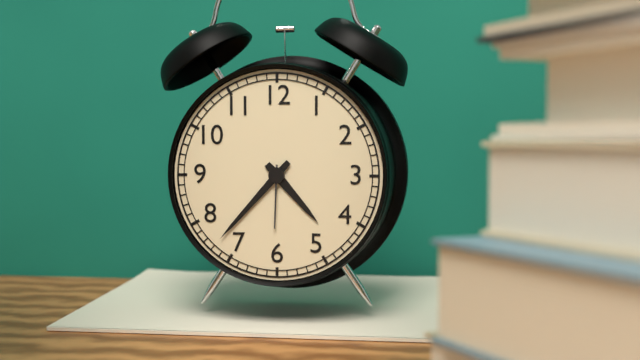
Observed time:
4:37
